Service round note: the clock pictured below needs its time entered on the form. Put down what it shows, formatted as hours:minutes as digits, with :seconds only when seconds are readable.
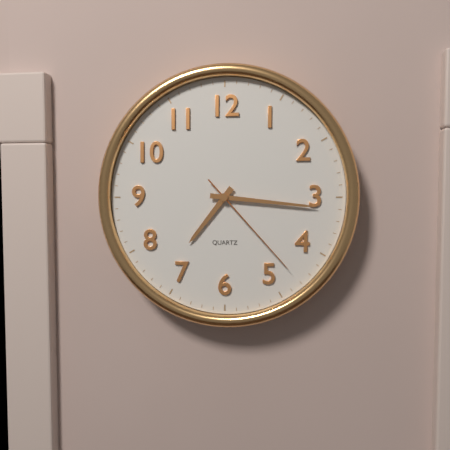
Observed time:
7:16:23
